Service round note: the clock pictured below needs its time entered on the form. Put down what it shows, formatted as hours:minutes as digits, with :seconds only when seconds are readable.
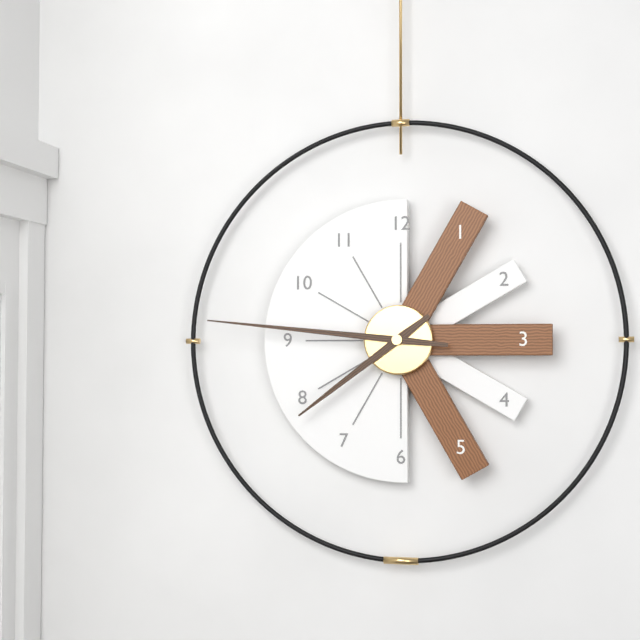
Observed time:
7:46
